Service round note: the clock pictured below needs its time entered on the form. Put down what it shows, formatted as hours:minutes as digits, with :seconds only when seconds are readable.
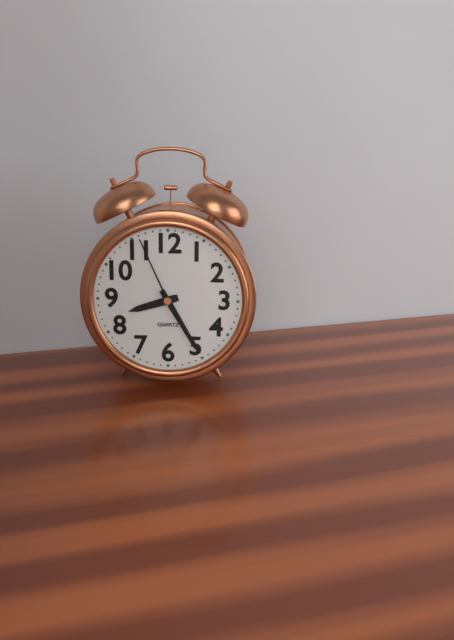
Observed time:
8:25:56
